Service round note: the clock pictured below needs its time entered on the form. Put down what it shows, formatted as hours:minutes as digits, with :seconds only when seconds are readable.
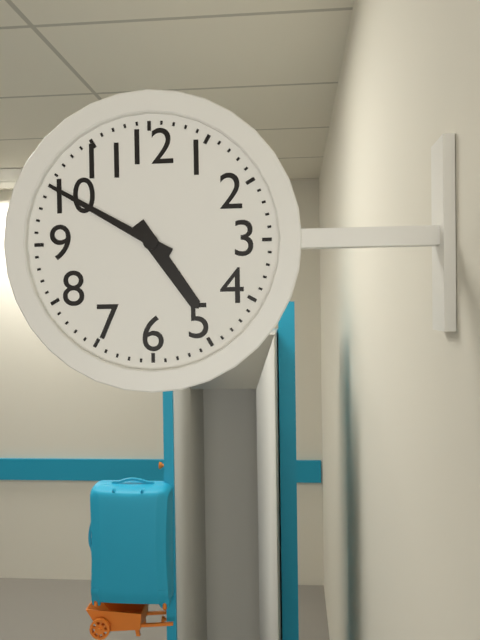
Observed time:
4:50
